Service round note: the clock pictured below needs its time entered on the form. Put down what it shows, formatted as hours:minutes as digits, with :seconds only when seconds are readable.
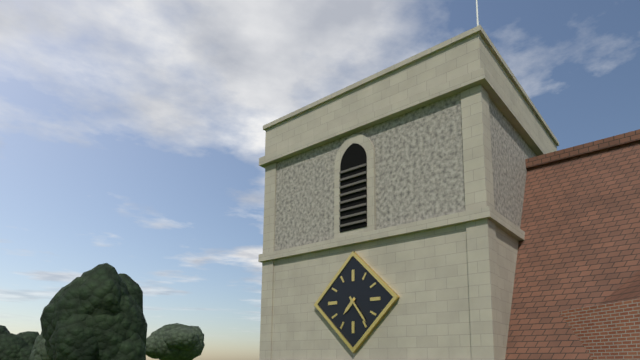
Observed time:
7:24
